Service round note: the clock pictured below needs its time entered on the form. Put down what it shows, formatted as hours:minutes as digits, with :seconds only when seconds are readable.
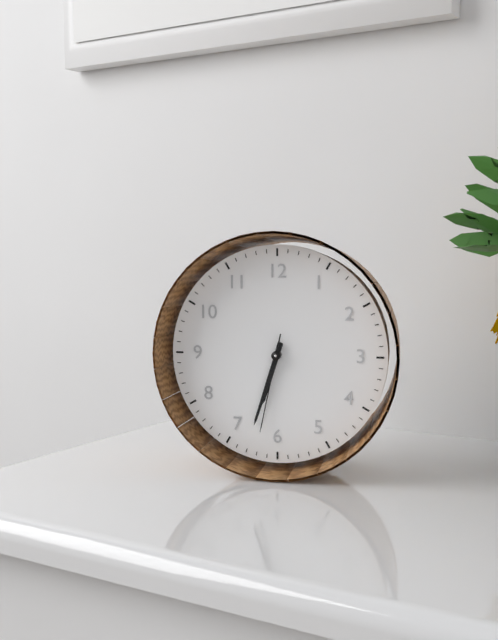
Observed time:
6:33:32
